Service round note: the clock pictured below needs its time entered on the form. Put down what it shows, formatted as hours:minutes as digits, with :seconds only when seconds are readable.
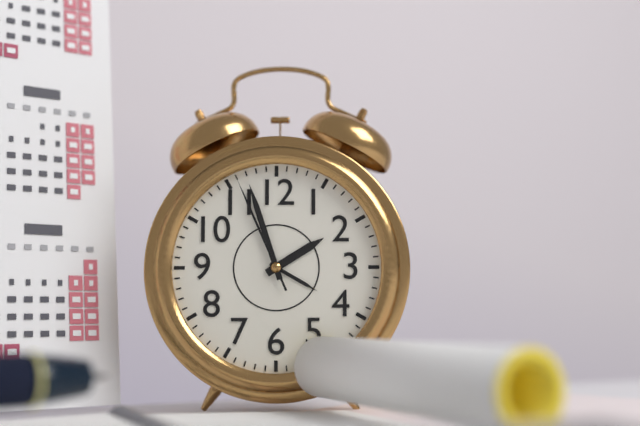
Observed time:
1:57:56
